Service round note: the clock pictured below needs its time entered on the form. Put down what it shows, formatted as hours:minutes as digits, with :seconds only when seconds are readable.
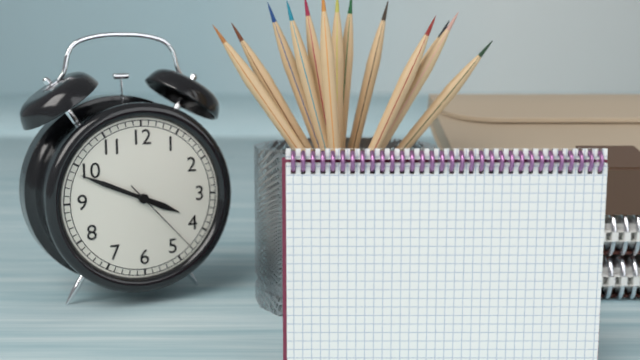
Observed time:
3:49:23
